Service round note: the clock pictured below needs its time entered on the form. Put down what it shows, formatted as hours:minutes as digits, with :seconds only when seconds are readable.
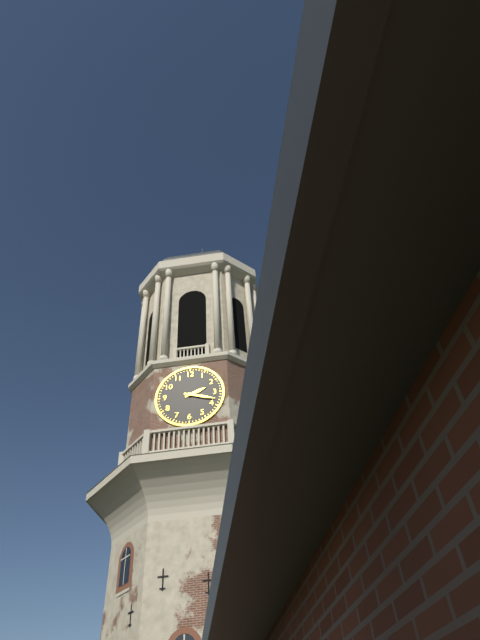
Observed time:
2:18
